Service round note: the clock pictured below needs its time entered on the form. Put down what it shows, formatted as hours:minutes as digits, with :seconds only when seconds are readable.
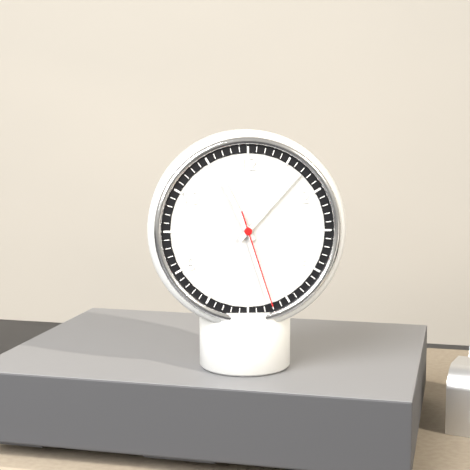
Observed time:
11:07:27
